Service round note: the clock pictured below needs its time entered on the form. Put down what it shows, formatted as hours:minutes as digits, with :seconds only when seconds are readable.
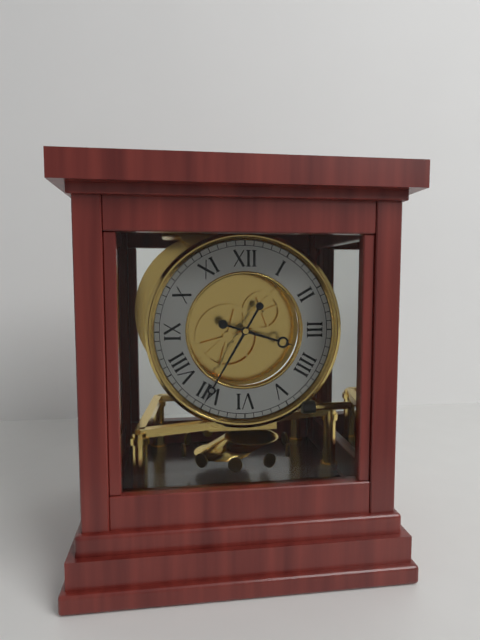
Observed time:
3:35
